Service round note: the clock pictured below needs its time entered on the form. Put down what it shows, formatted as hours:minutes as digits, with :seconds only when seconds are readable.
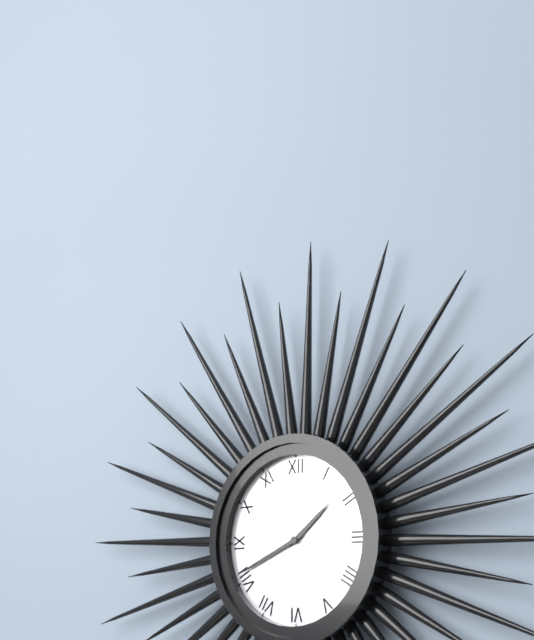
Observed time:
1:41
